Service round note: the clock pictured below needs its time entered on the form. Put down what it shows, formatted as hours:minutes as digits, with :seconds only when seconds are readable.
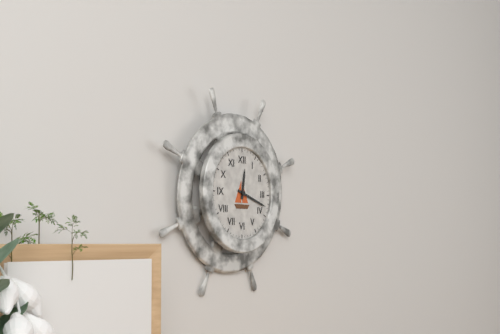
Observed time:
12:18
